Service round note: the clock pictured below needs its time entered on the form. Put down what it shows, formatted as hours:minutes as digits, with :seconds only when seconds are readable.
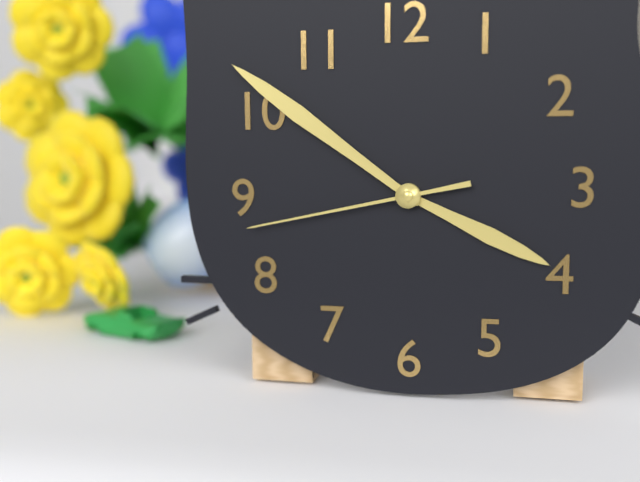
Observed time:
3:51:43
